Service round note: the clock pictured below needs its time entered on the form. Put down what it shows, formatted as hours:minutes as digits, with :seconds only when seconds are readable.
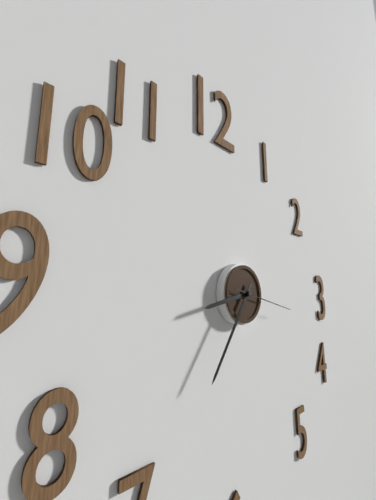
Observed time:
8:36:17
